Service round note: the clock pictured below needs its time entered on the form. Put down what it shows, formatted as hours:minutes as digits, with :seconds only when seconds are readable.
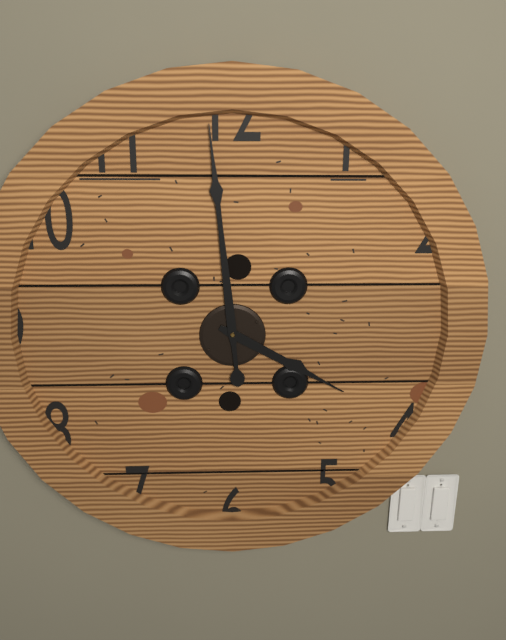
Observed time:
3:59
